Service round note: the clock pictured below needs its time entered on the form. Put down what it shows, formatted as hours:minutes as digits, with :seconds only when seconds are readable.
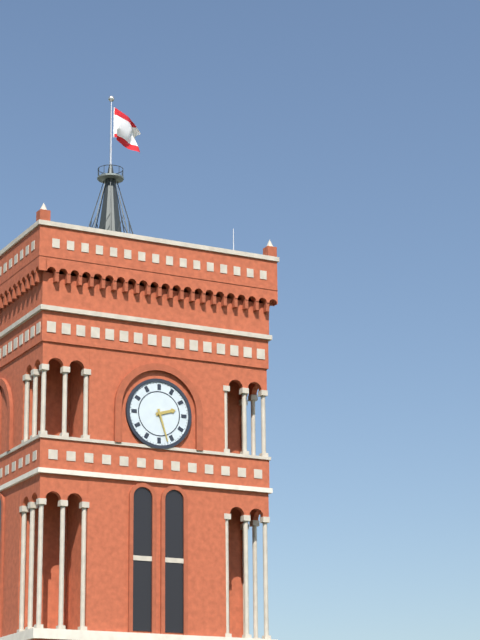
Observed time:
2:27
